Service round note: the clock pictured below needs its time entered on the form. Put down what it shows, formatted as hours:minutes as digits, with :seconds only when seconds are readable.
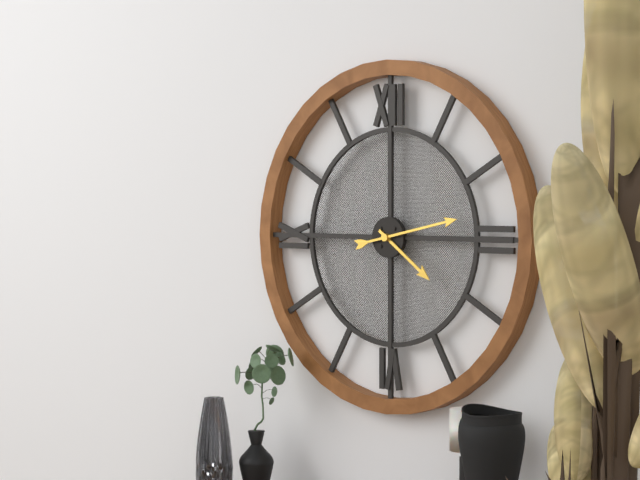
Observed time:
4:13
